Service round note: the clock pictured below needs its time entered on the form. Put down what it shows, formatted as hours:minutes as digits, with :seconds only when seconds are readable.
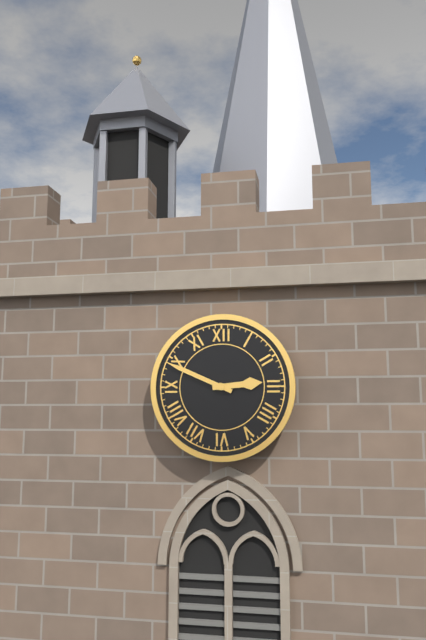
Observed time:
2:49
